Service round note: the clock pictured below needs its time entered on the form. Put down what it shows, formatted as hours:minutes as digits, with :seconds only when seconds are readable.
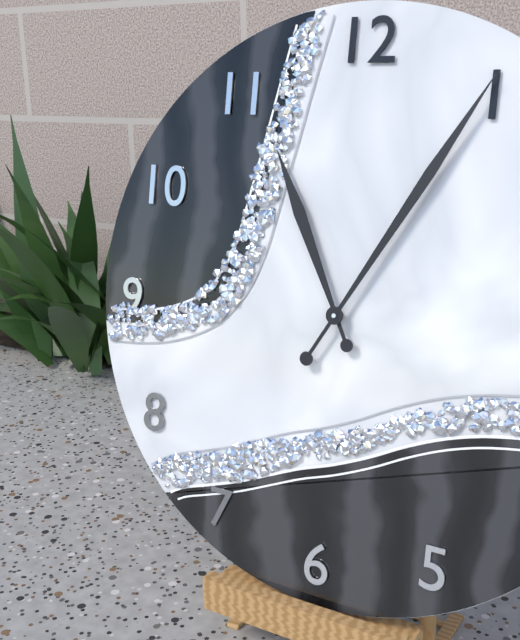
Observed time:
11:05
